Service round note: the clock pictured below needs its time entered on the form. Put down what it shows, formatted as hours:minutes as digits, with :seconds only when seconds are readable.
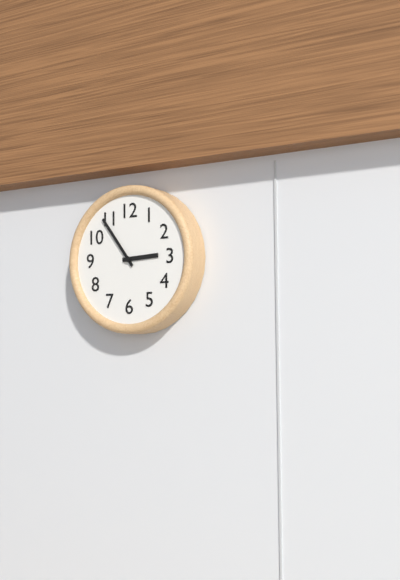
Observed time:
2:54
